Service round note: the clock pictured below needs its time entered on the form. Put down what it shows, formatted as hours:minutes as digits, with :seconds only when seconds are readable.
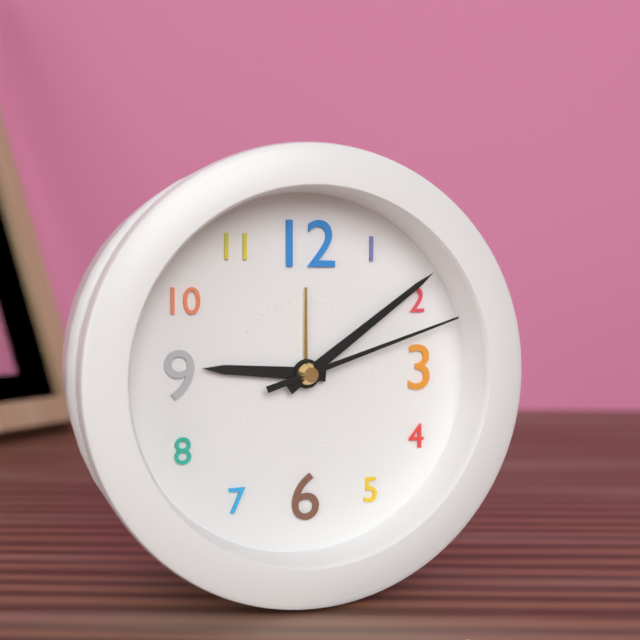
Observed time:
9:09:12
